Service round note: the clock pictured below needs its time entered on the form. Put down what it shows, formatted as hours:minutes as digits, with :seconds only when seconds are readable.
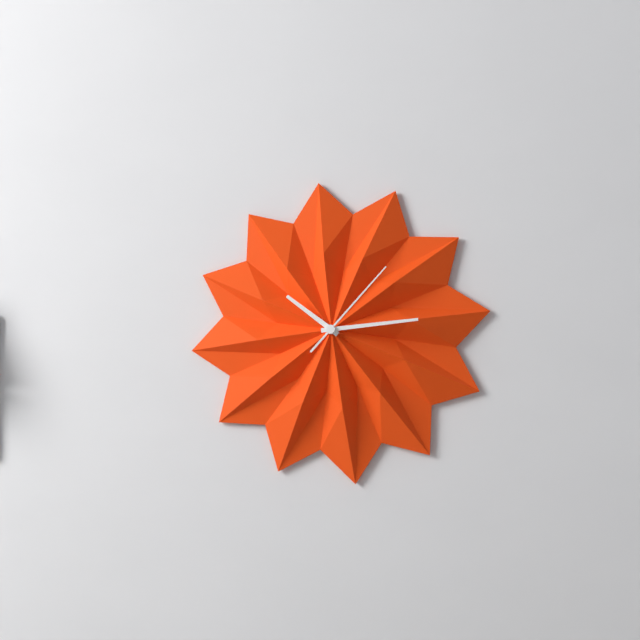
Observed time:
10:14:07
